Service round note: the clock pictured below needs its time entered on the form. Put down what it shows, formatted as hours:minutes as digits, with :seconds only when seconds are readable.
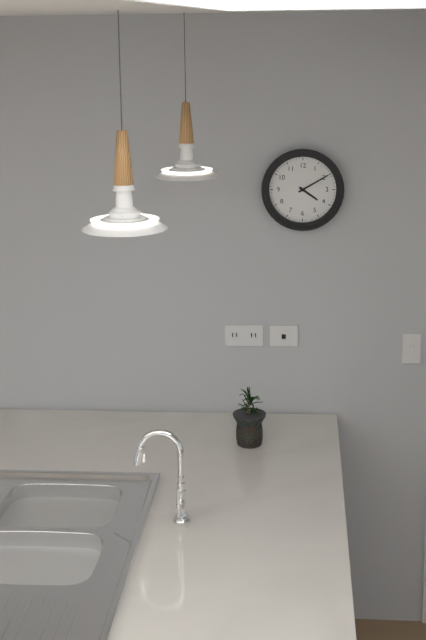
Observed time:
4:10
